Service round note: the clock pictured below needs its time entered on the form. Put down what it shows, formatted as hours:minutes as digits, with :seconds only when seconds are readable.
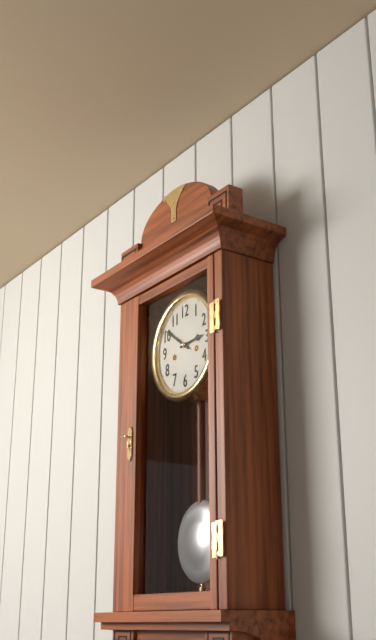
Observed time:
2:51
